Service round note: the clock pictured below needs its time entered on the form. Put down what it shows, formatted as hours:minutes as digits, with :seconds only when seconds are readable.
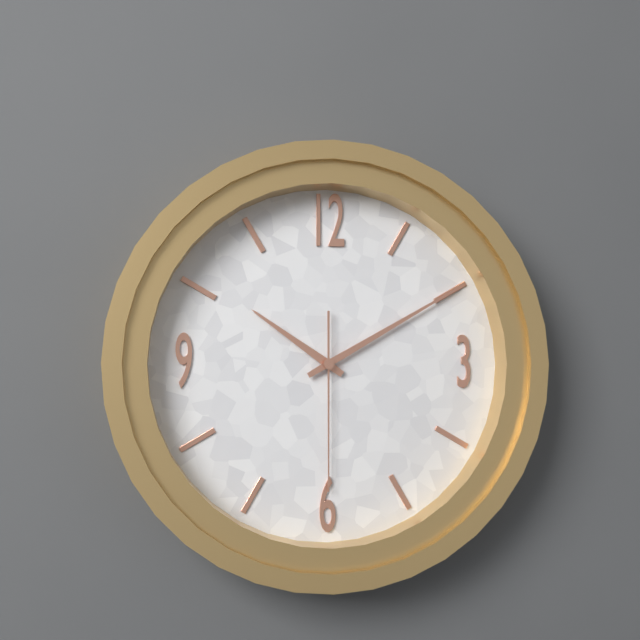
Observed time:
10:10:30
